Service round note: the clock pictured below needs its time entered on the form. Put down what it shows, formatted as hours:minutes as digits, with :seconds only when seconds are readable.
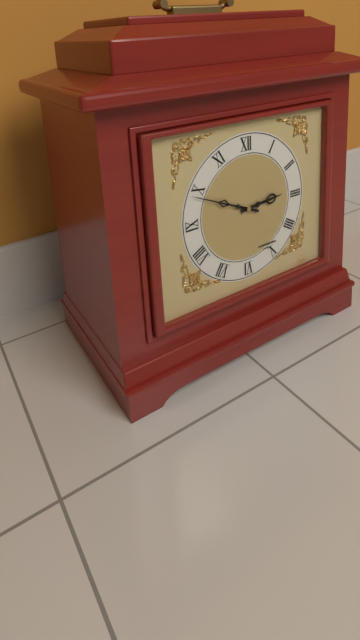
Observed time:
2:49
